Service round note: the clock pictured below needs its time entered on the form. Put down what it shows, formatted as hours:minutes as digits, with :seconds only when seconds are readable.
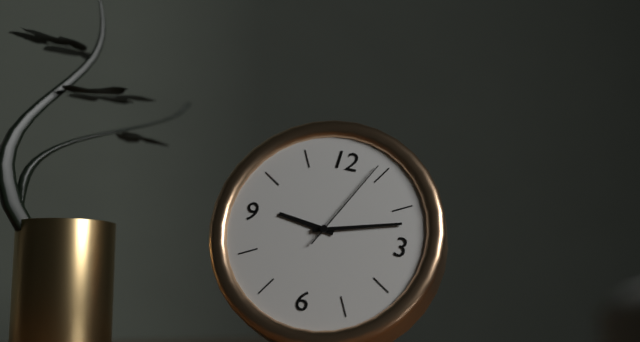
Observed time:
9:12:04
